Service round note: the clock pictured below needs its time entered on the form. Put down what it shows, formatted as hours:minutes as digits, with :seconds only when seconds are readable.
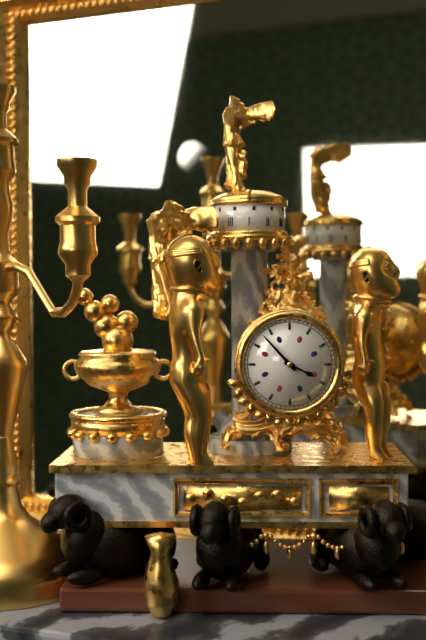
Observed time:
3:53
